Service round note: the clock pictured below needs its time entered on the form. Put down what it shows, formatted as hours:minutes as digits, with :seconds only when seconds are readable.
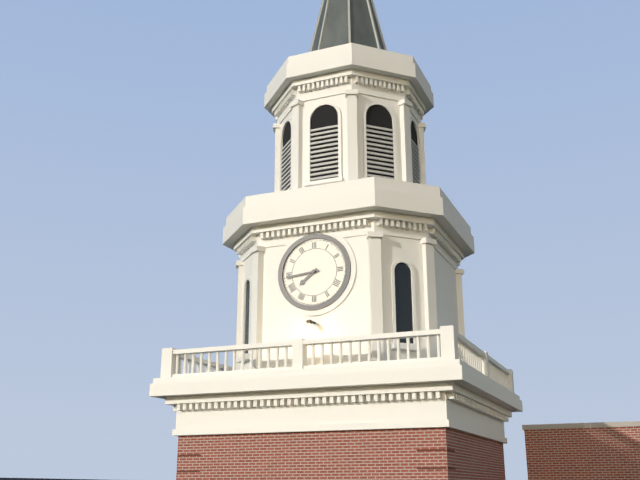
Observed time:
7:44
